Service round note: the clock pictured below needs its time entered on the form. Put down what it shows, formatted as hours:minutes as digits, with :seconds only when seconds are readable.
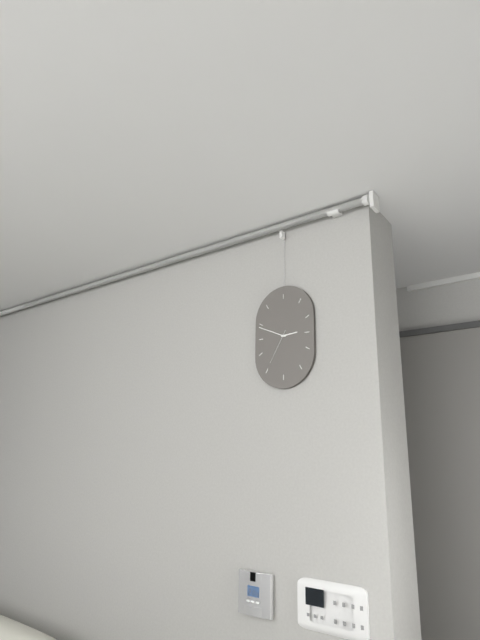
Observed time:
2:49
